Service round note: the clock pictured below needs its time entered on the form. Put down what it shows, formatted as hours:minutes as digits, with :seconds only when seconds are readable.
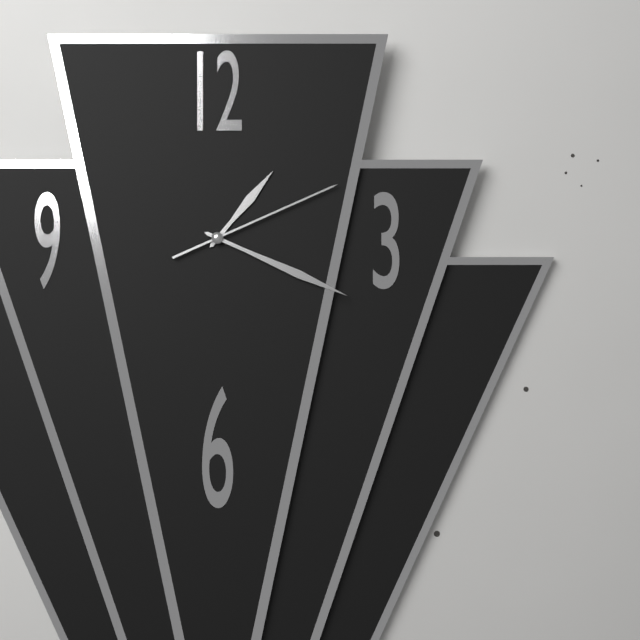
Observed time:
1:19:11
